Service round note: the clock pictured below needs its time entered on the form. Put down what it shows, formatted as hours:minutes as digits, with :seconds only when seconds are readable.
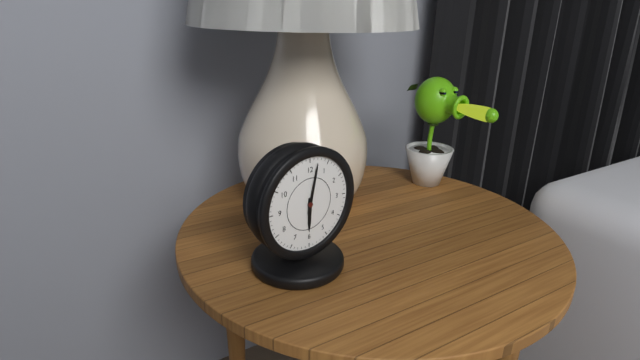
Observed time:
6:02
